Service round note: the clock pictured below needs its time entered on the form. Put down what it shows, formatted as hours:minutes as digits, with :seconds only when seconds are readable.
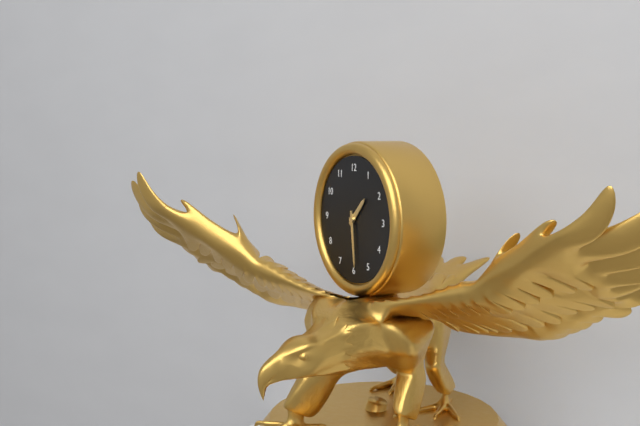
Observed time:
1:29
